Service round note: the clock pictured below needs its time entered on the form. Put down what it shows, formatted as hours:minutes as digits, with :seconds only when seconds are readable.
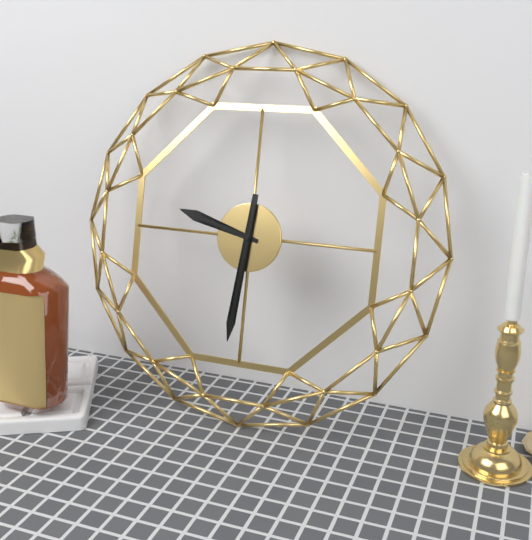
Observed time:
9:31
